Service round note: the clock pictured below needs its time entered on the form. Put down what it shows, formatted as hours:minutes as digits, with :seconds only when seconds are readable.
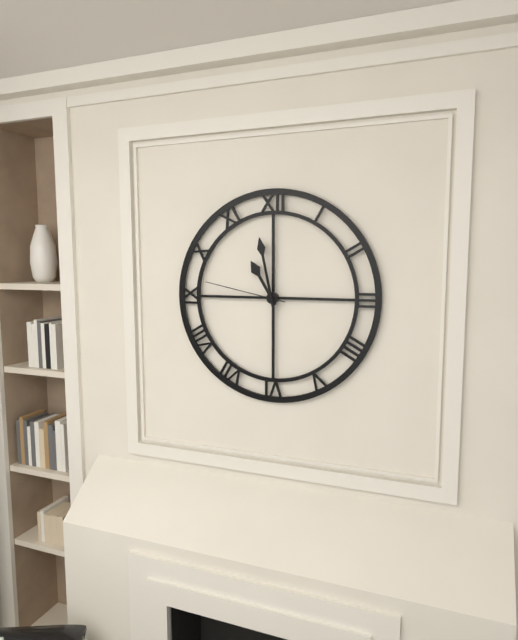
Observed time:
10:58:47
